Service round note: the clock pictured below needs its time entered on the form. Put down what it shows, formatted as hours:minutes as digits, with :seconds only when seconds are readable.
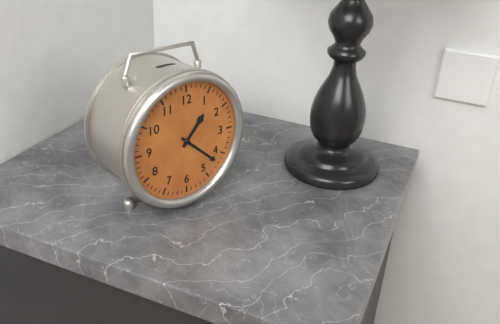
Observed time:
1:22
